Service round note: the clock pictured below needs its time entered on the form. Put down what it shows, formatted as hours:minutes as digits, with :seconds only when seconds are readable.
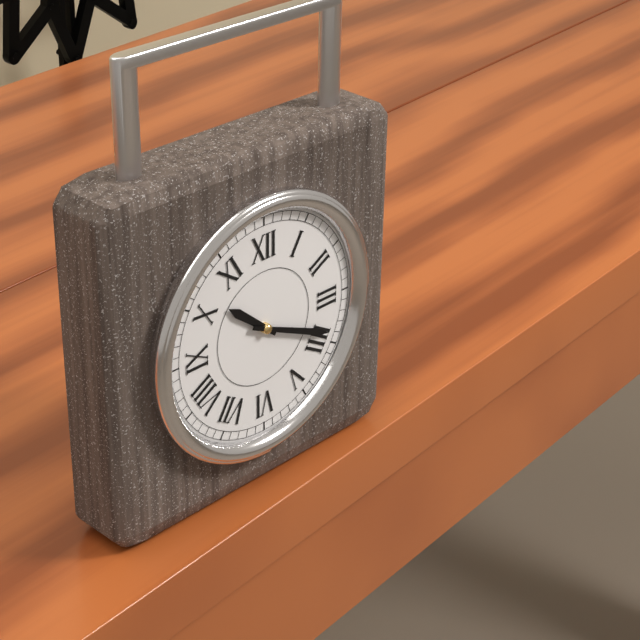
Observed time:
10:19
